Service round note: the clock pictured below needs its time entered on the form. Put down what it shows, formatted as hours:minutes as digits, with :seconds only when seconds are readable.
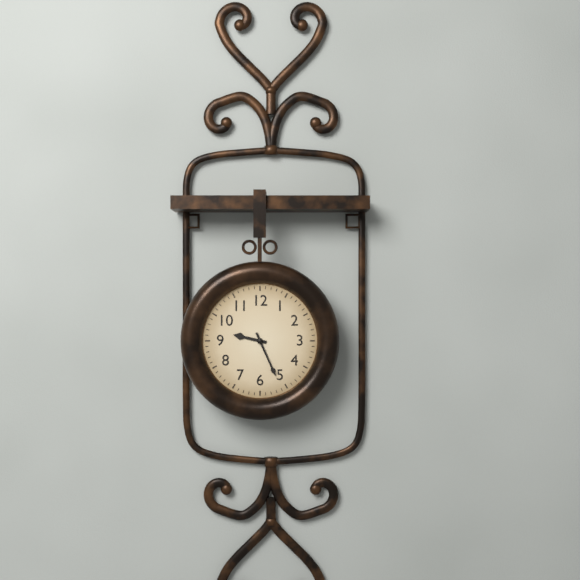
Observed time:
9:26
